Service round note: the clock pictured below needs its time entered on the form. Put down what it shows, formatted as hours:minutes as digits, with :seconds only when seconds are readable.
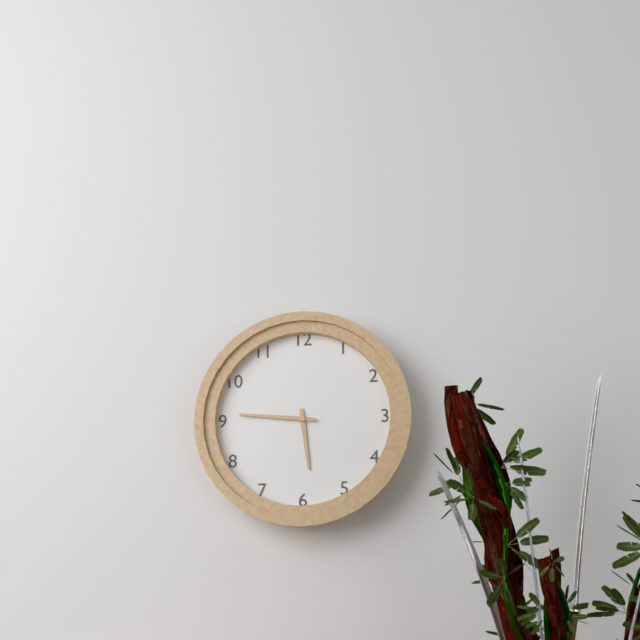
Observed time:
5:46
